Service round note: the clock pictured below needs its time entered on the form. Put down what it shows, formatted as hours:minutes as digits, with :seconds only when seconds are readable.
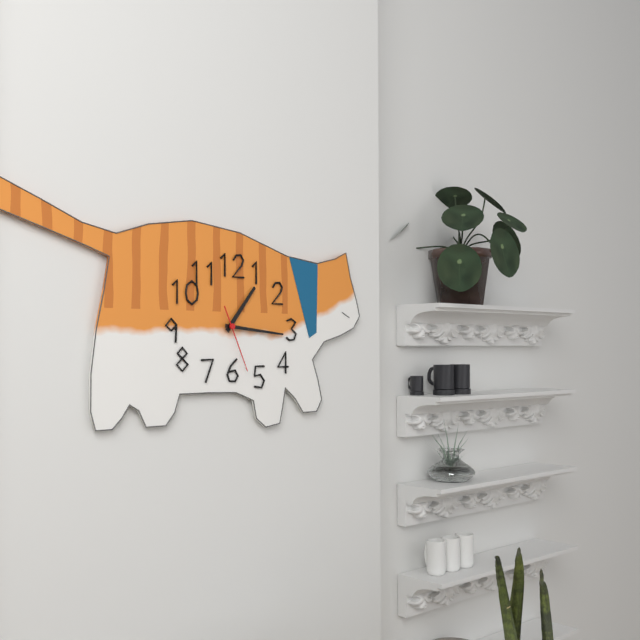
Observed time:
1:16:26
